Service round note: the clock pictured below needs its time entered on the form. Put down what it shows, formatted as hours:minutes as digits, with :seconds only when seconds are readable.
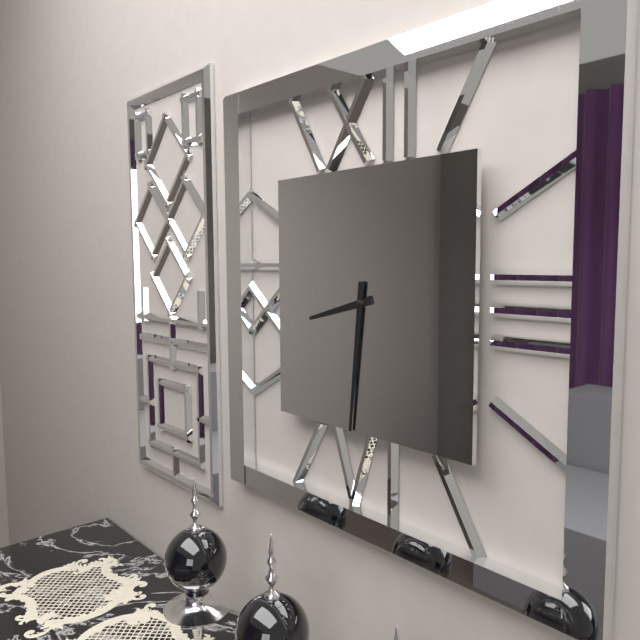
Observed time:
8:31
